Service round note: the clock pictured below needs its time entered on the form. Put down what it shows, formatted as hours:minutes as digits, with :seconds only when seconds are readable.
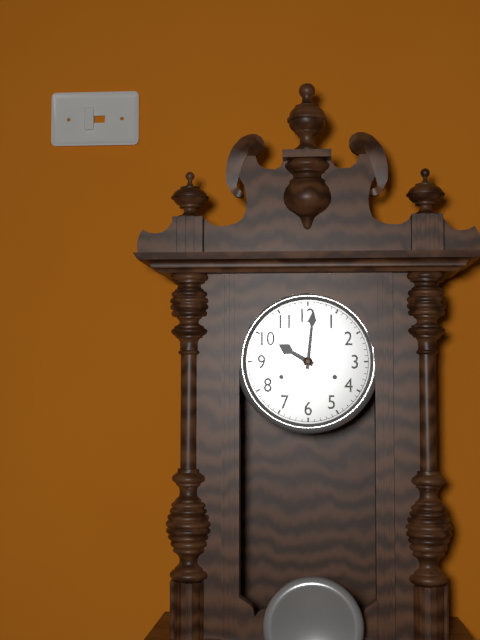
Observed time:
10:01
